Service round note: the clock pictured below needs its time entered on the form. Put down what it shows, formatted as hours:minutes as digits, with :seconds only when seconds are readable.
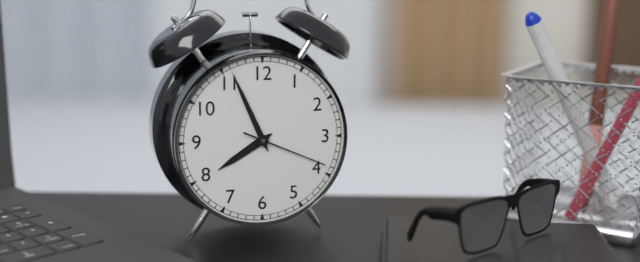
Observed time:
7:56:19
